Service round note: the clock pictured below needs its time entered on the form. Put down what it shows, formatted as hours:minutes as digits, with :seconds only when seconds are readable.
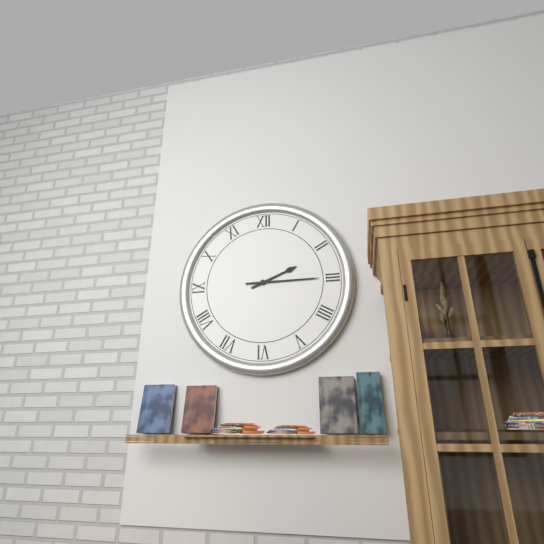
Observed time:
2:15
